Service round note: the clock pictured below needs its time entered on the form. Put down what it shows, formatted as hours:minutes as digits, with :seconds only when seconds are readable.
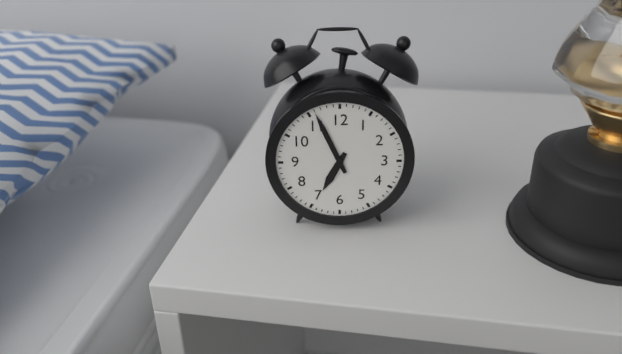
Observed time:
6:56
